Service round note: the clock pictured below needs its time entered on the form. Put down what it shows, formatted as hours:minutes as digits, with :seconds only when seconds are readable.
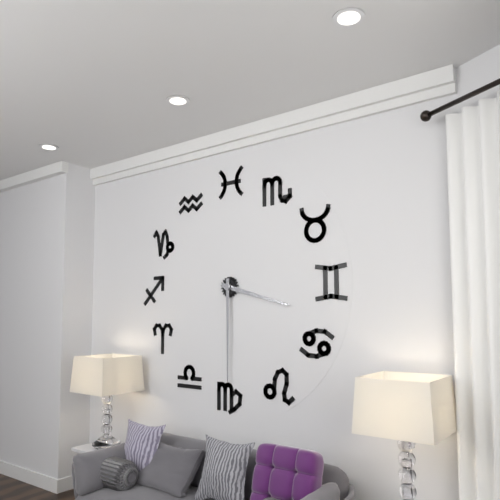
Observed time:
3:30
